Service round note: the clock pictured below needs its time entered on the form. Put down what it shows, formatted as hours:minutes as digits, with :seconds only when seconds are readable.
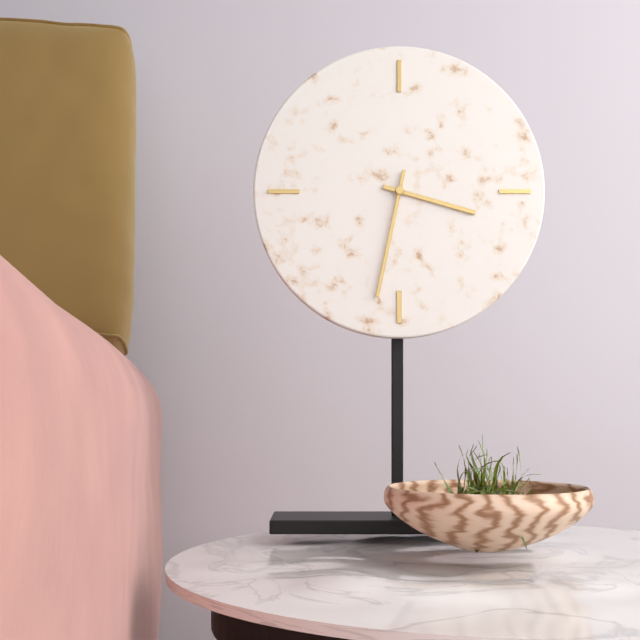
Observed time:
3:32
